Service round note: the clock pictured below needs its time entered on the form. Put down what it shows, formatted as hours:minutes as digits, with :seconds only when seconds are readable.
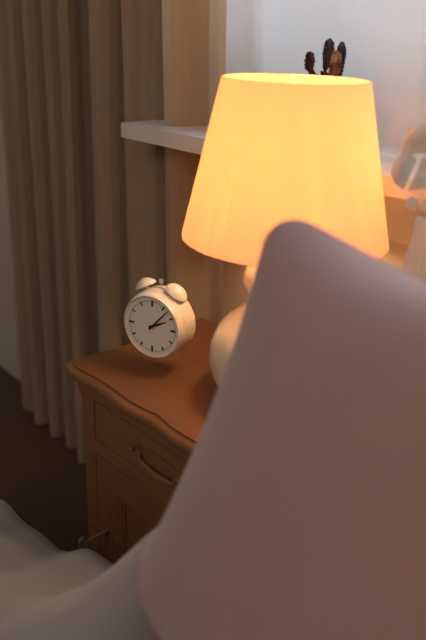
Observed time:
2:07
